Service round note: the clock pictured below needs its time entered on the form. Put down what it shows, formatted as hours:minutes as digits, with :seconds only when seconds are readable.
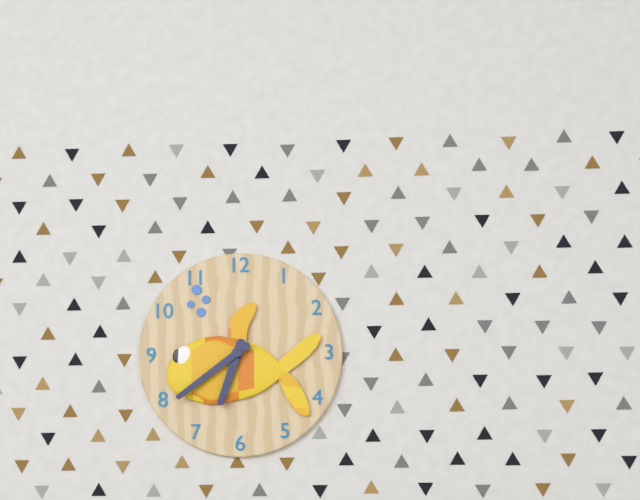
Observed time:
6:39
